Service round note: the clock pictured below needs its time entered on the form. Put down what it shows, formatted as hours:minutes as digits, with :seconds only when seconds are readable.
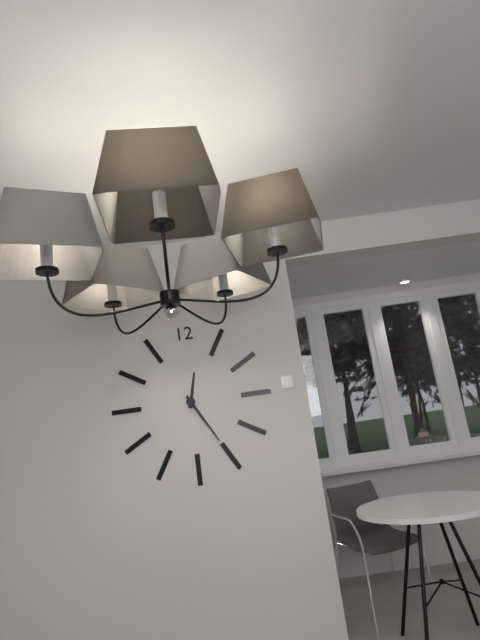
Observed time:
12:25
